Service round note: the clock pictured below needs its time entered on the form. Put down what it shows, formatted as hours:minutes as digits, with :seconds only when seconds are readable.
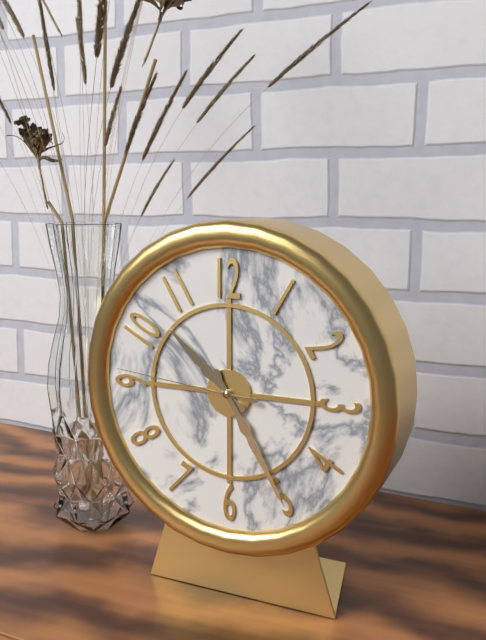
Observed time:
10:25:46
